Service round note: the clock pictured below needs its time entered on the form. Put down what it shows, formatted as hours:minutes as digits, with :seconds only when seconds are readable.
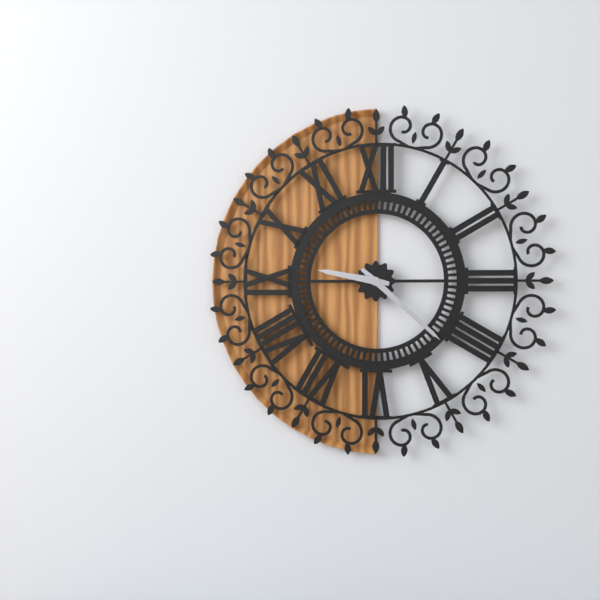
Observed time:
9:22
